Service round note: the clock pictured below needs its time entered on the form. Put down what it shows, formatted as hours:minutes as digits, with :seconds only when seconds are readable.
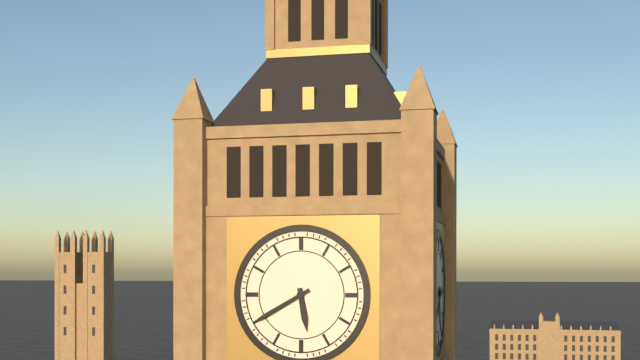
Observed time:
5:40
